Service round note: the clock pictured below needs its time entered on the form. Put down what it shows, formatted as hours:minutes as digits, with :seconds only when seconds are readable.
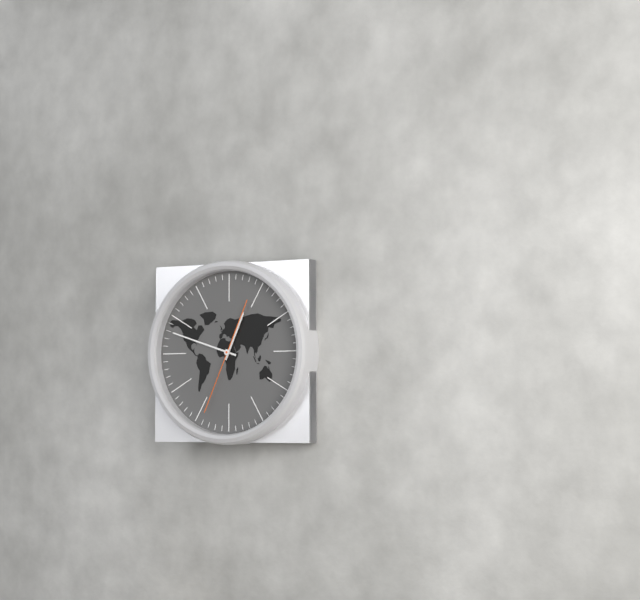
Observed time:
12:48:34
